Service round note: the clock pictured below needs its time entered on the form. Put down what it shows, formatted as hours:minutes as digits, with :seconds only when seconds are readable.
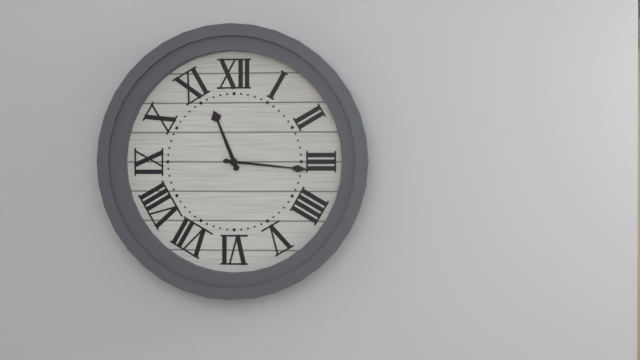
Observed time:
11:16
